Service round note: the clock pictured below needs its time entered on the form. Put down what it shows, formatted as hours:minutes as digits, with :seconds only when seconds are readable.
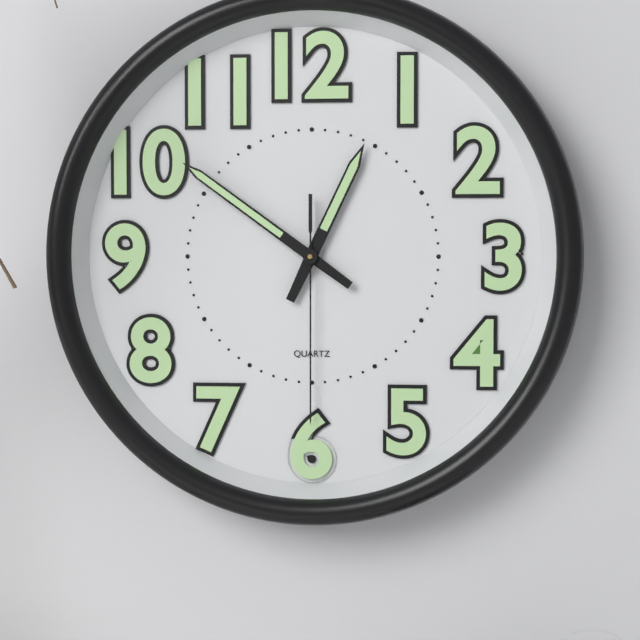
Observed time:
12:51:30
